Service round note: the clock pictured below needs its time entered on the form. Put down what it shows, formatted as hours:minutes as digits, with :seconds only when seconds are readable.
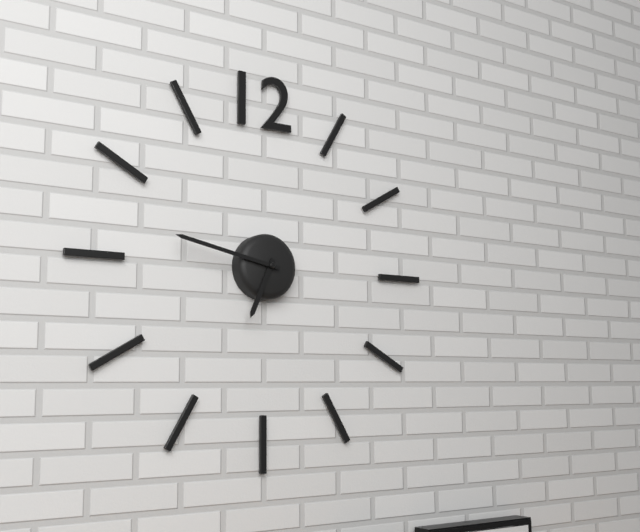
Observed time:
6:47
